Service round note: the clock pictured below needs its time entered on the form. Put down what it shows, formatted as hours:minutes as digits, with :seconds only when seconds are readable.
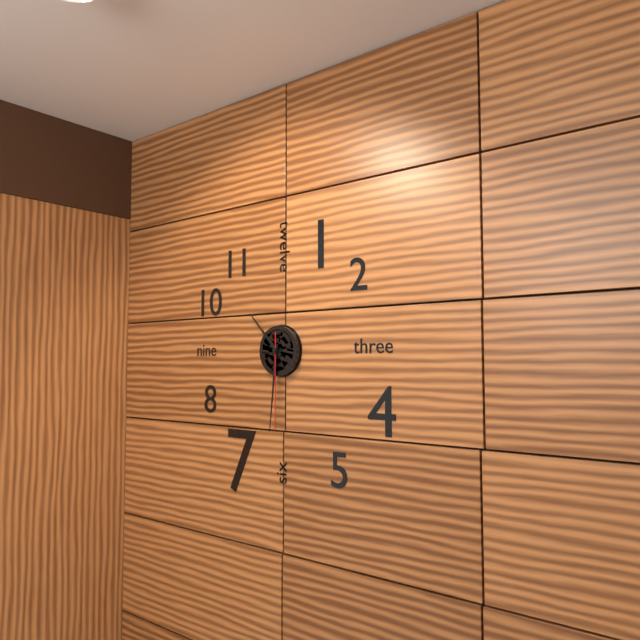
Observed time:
10:31:30
